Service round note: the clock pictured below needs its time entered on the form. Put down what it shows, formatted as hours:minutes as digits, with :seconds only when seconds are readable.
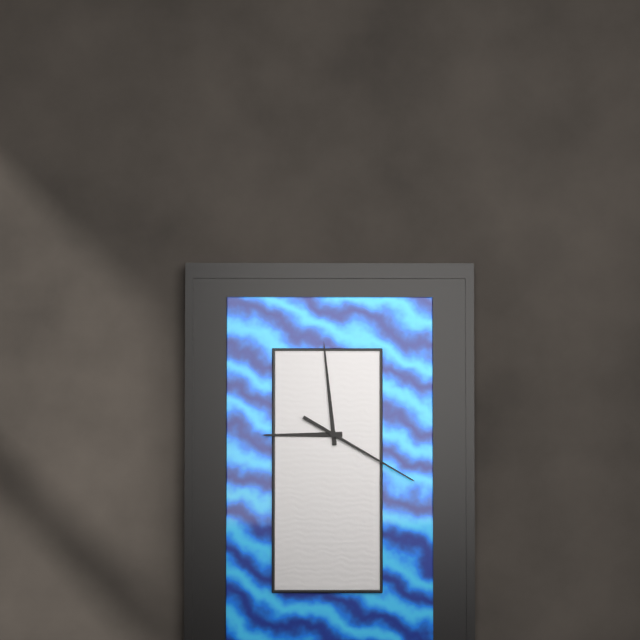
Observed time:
8:59:20
